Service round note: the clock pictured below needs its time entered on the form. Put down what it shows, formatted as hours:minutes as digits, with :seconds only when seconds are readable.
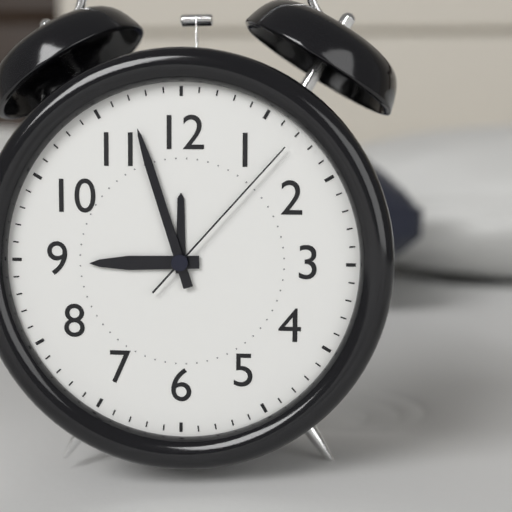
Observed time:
8:57:07
